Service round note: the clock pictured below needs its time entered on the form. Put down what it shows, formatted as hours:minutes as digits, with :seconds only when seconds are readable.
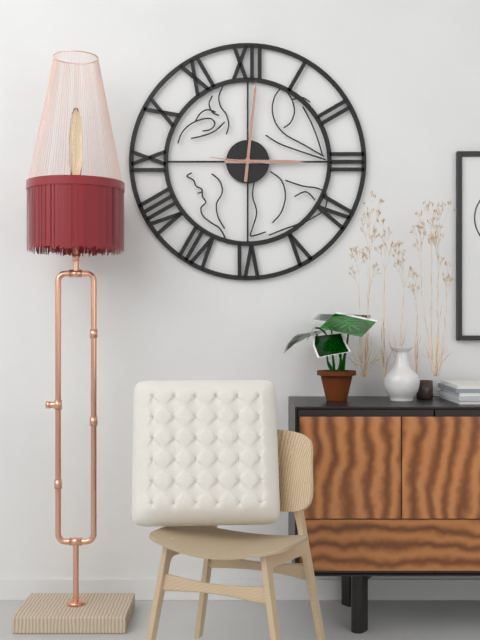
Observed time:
3:01
